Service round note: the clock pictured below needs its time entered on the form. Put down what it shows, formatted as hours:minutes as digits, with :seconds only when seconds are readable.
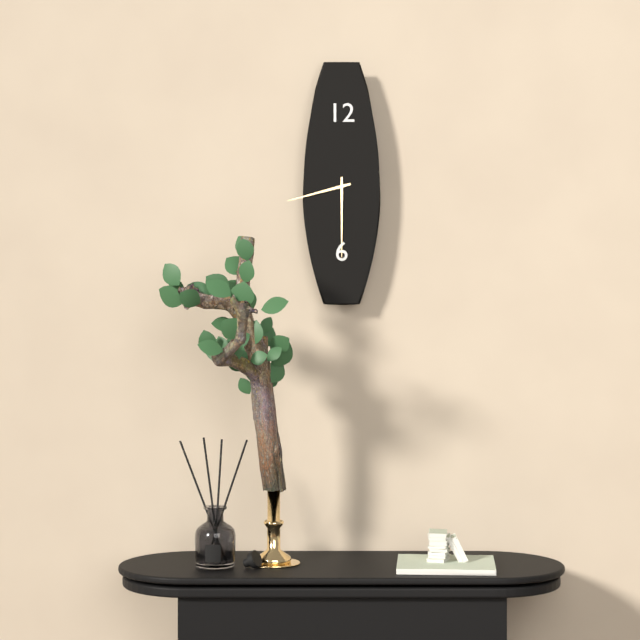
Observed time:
8:30
